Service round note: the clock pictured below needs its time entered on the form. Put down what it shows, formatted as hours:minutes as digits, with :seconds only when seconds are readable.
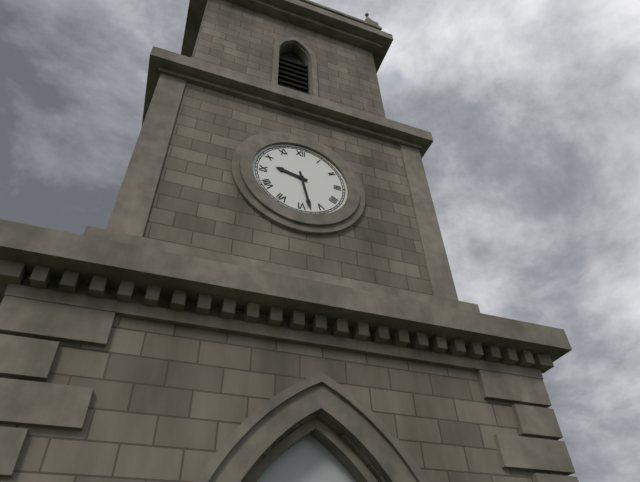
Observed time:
9:28
